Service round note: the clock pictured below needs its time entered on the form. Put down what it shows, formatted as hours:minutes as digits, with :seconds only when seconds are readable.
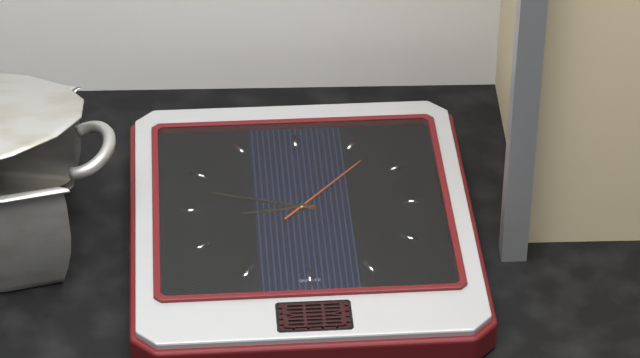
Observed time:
8:48:07
